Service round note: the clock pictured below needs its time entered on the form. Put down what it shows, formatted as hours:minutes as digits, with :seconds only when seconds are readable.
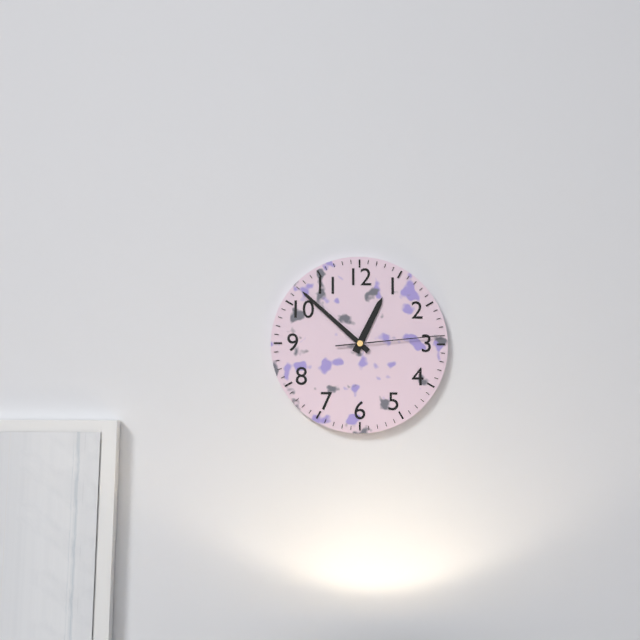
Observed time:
12:52:14
